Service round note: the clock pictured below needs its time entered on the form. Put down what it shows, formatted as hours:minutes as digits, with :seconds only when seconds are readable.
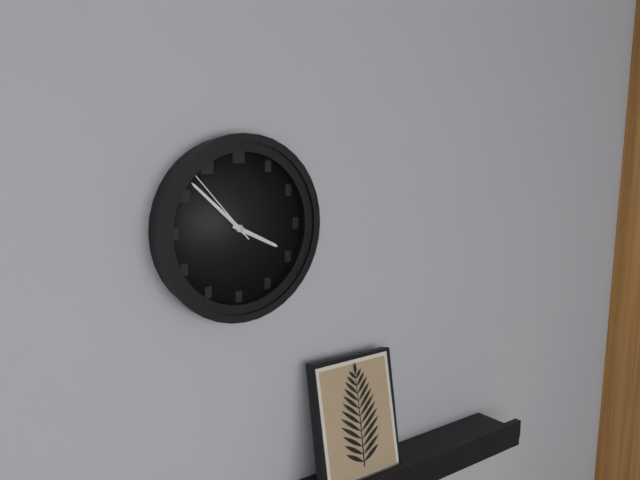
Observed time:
3:52:53
